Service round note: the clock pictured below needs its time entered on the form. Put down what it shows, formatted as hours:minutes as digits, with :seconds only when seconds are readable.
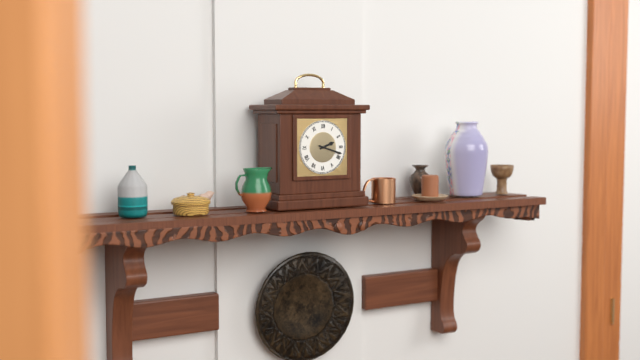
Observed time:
2:18
